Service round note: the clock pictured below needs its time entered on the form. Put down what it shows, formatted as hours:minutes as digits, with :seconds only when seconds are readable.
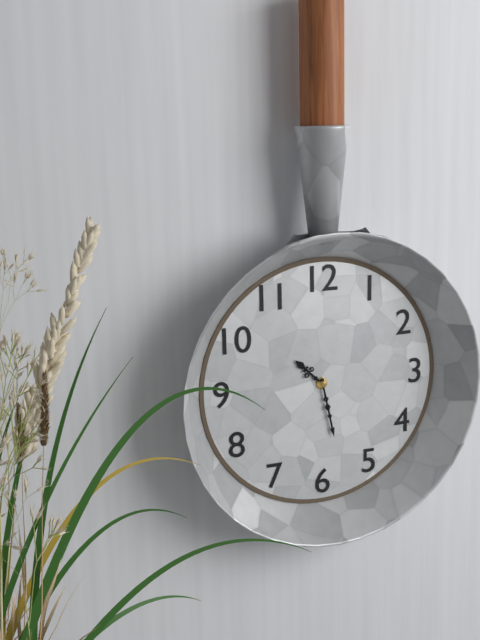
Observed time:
10:28
